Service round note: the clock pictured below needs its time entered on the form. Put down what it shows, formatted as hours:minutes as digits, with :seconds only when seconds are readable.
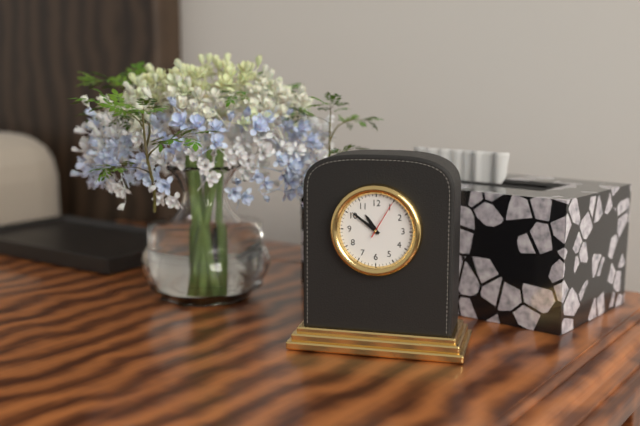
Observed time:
10:51
